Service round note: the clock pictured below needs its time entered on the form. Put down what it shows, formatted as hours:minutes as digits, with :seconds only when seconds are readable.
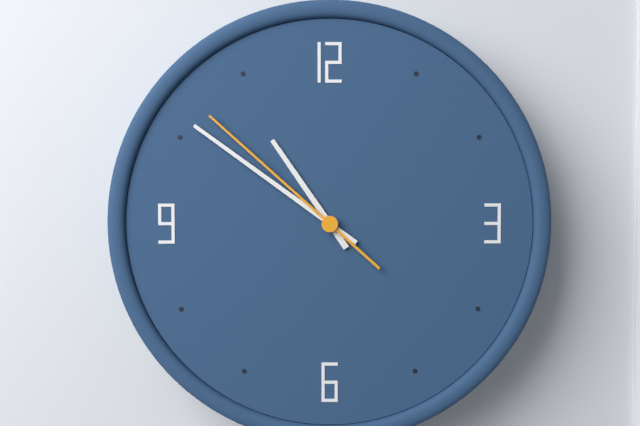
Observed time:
10:51:52
